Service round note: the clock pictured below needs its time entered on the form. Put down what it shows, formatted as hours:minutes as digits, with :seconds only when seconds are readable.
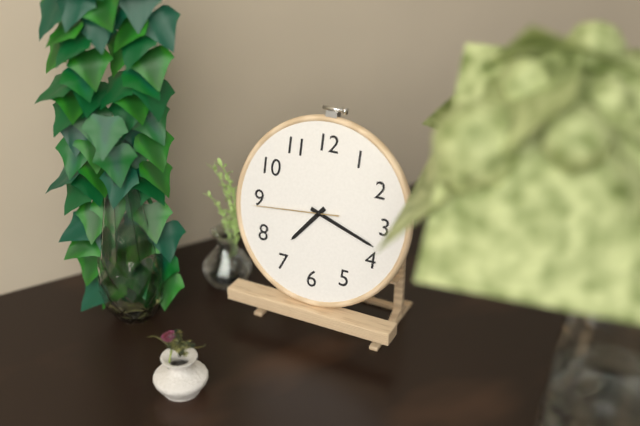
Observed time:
7:18:44
